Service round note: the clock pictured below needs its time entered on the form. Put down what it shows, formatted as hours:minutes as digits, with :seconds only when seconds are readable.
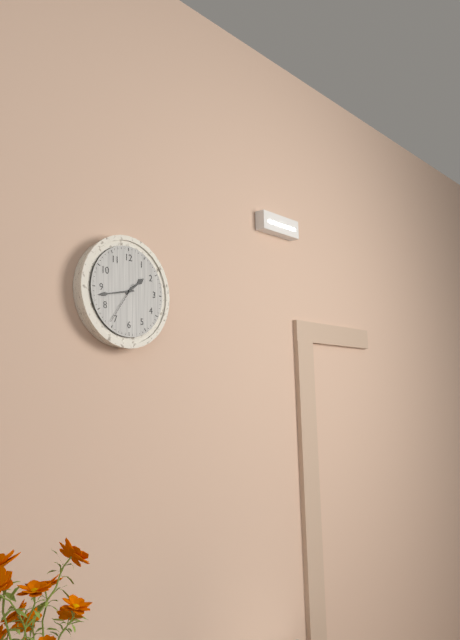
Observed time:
1:43
